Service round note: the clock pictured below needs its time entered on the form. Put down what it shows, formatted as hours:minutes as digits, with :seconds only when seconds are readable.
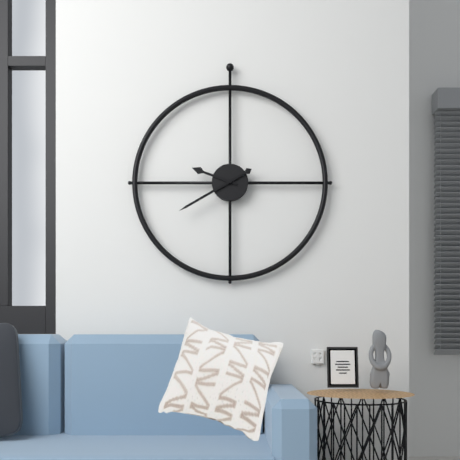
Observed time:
9:40
